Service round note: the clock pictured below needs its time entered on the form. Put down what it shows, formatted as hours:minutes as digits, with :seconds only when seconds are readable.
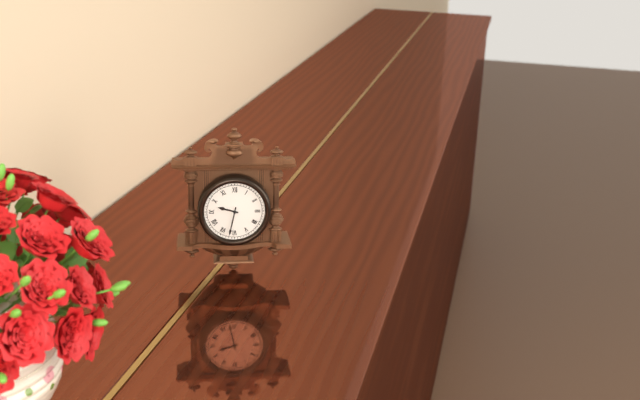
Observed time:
9:32
